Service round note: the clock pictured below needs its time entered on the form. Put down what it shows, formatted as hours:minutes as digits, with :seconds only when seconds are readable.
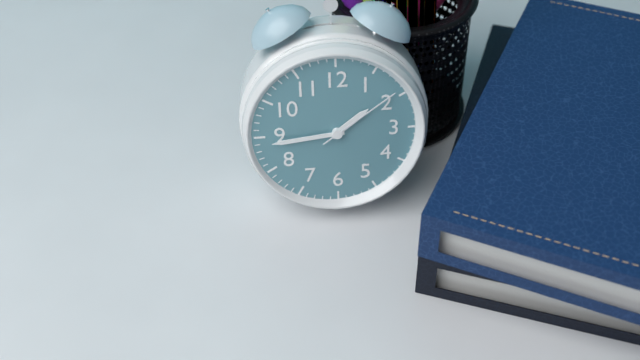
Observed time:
1:44:09
